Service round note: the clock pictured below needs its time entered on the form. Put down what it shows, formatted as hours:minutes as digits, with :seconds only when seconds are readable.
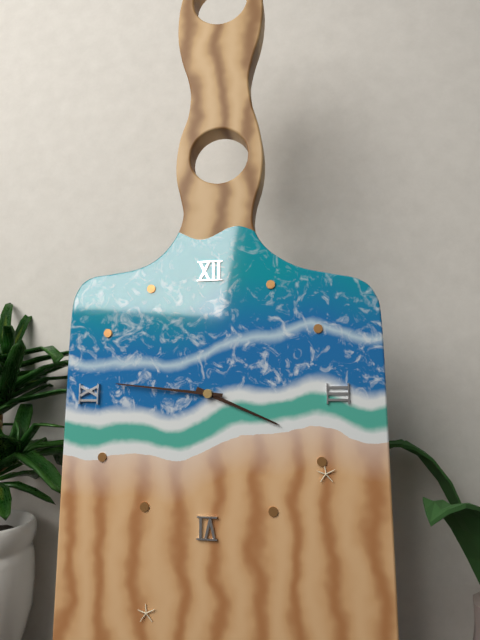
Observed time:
3:46
